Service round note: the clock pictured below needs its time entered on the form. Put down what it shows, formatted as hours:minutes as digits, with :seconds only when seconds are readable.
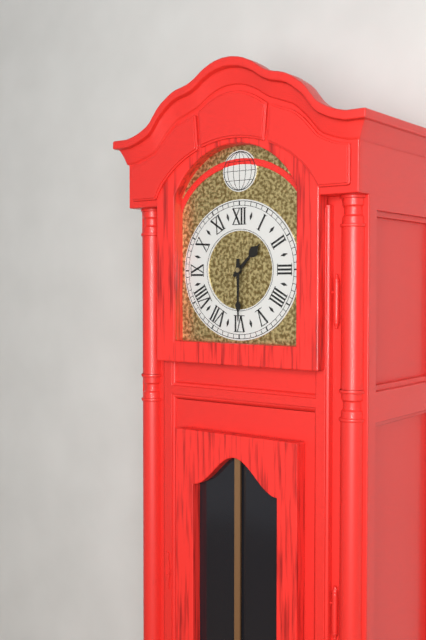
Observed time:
1:30
